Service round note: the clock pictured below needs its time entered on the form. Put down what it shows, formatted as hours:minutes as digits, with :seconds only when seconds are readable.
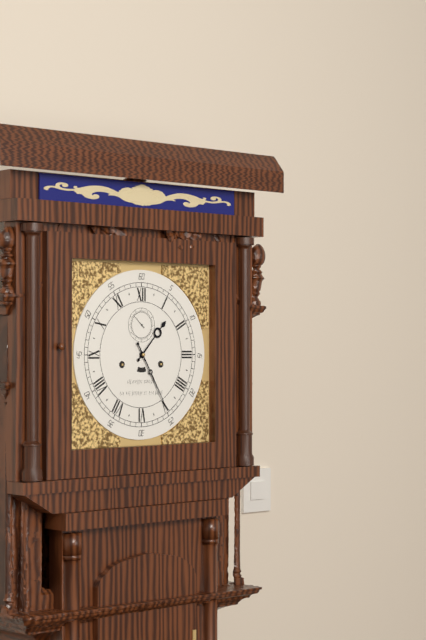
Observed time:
1:25
